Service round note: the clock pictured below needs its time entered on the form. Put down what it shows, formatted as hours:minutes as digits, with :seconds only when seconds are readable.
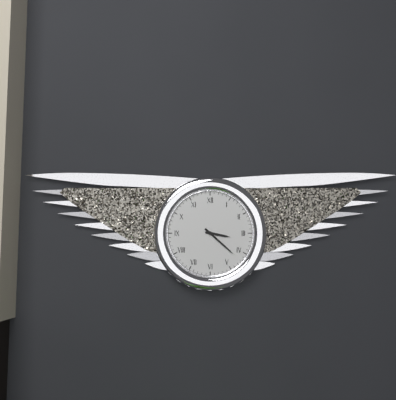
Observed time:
3:22
